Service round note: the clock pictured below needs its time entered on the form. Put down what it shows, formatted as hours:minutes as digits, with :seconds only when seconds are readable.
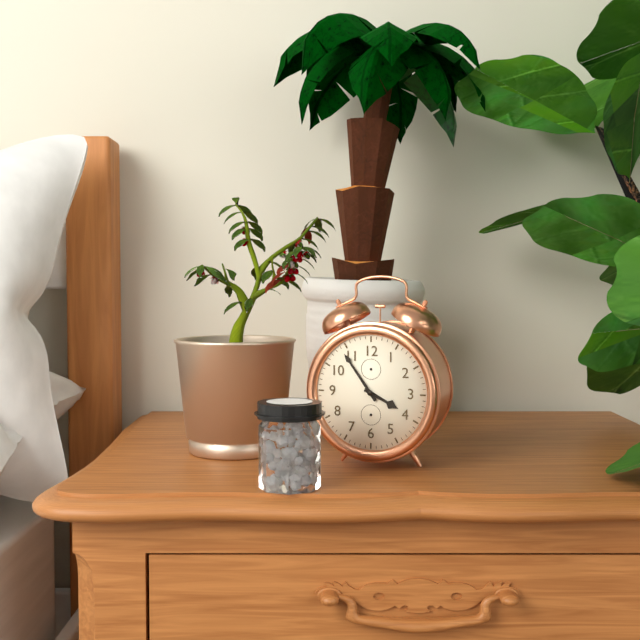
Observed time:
3:54
